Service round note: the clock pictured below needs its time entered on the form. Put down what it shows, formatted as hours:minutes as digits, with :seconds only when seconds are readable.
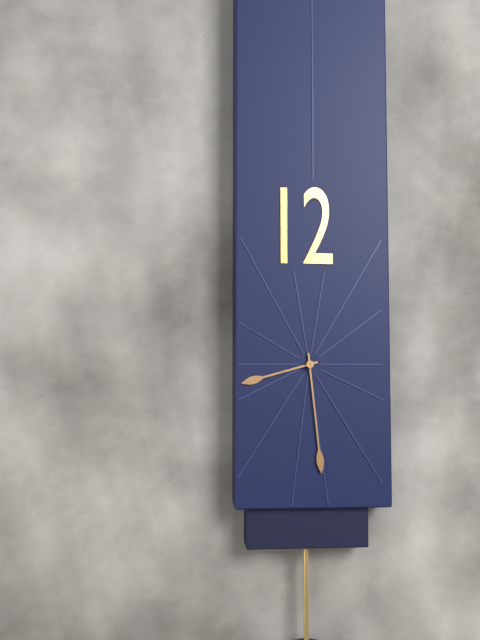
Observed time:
8:29
